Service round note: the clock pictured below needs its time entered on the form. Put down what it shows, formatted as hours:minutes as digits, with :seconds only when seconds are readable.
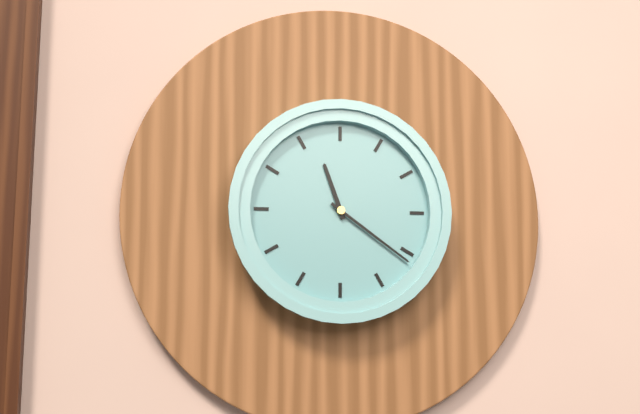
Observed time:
11:21
